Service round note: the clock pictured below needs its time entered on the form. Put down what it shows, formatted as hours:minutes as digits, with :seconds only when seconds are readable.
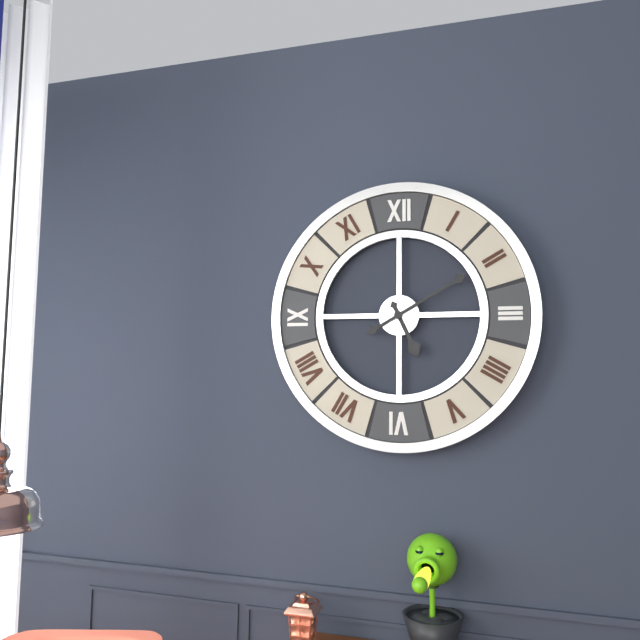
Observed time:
5:10
